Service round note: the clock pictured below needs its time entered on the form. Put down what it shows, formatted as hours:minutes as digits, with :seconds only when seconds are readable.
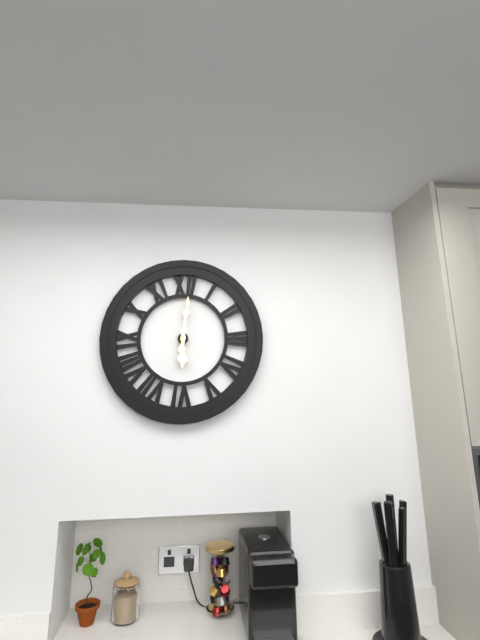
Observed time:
6:01
